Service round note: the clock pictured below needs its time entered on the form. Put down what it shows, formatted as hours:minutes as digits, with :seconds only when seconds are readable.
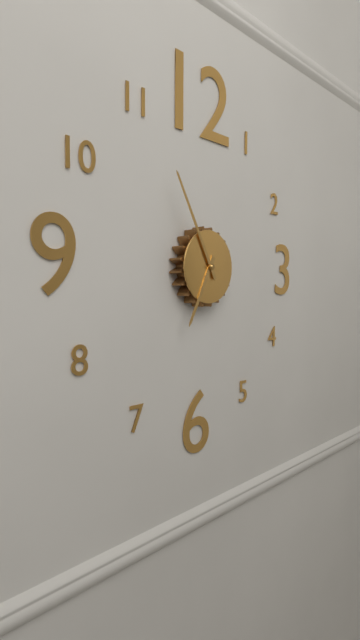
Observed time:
6:55
